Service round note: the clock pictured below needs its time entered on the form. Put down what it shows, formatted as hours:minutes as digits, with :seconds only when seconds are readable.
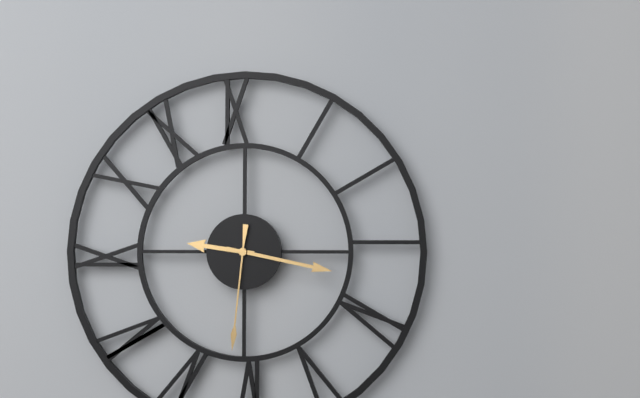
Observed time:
9:17:31
